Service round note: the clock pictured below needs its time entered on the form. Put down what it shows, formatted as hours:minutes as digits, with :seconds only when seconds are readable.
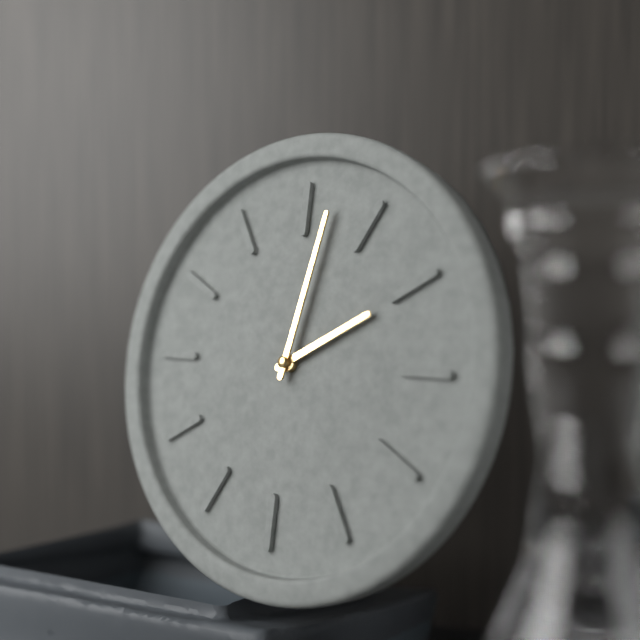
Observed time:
2:02
